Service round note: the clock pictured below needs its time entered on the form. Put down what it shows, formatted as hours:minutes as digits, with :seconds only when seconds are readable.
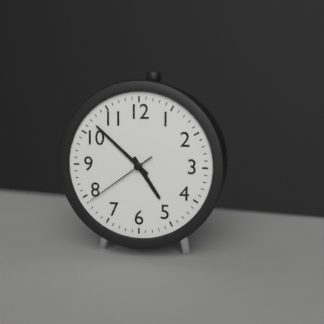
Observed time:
4:52:39
